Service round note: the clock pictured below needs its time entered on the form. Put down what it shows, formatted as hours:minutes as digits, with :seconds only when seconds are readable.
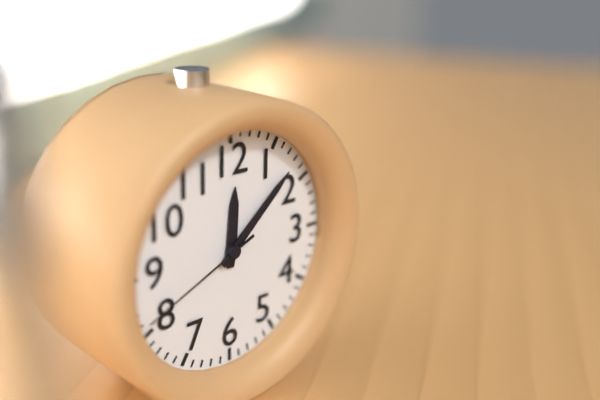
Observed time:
12:08:41
